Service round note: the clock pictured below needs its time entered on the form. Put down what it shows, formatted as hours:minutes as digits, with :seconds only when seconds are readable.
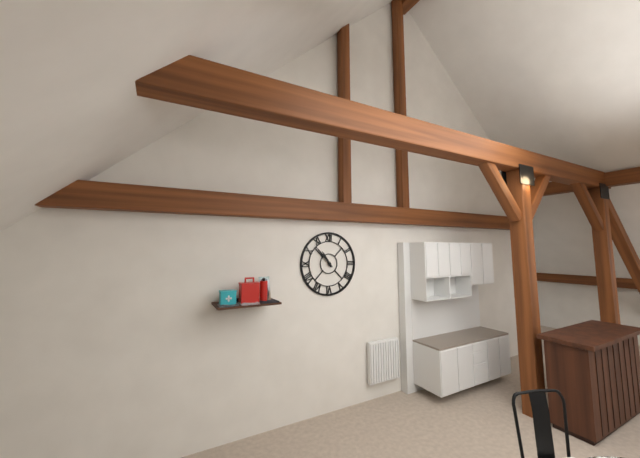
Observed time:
10:53
